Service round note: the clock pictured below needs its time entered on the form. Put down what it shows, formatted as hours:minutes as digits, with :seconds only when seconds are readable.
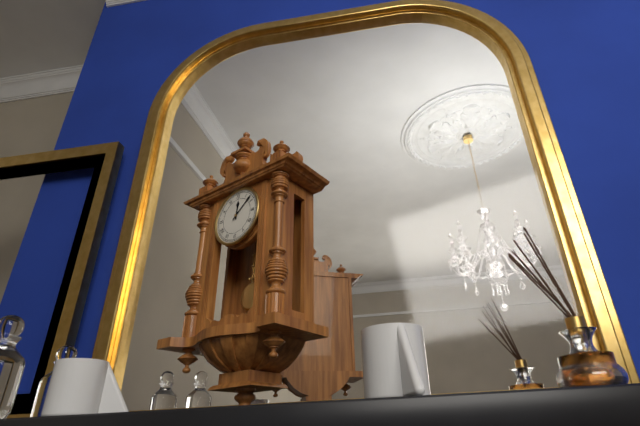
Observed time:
12:08
